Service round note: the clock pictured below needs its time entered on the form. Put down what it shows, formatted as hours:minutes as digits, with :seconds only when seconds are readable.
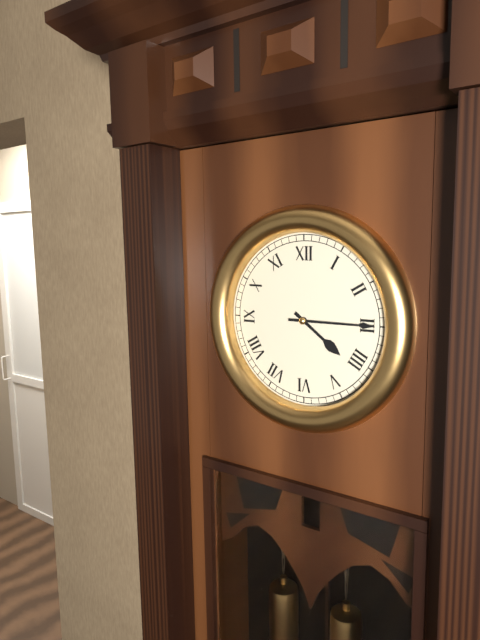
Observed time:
4:15
